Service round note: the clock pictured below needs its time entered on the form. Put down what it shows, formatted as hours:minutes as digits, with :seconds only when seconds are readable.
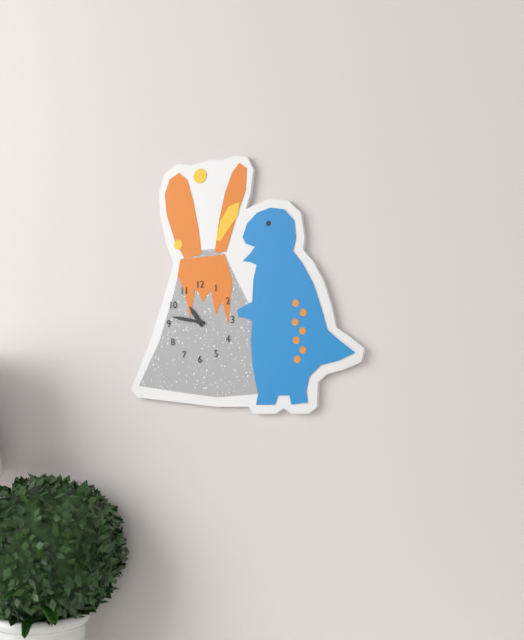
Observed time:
10:47
